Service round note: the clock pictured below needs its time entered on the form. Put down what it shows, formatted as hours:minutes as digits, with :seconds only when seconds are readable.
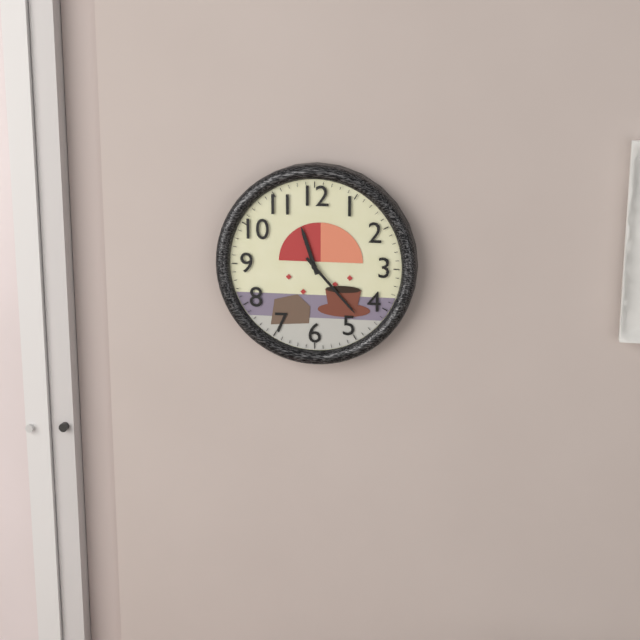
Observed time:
11:23
